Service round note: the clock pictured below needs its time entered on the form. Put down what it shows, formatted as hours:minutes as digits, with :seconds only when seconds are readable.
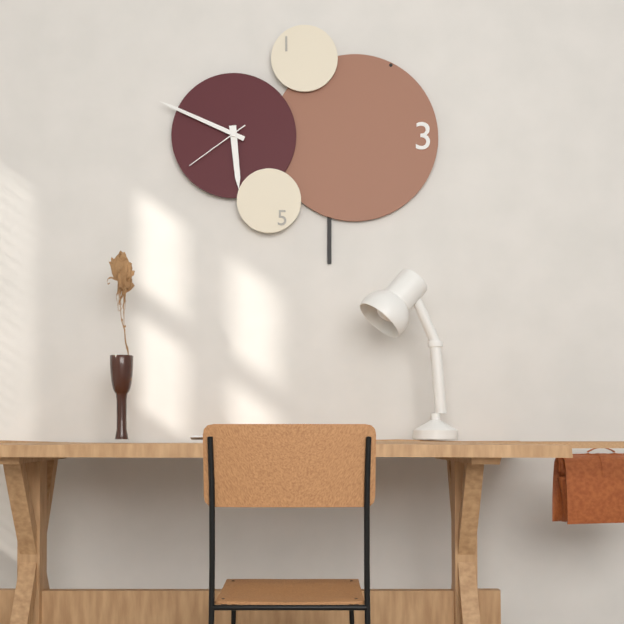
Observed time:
5:49:39
